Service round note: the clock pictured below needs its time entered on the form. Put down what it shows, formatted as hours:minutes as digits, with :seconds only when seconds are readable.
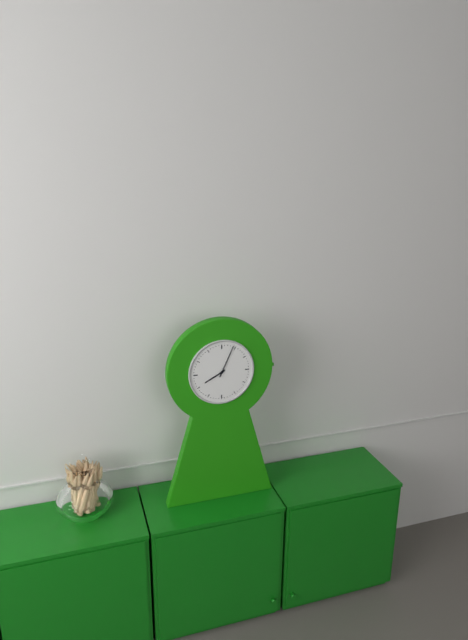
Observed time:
8:04
